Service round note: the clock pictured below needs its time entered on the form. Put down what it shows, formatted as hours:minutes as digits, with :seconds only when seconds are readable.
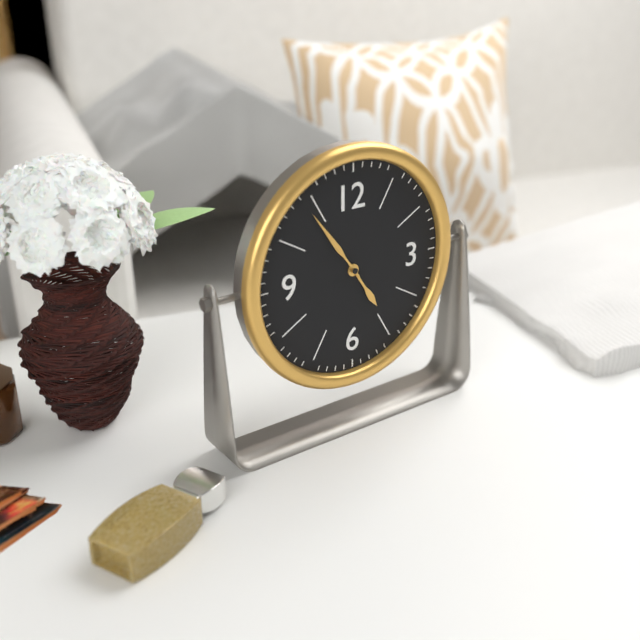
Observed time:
4:54
